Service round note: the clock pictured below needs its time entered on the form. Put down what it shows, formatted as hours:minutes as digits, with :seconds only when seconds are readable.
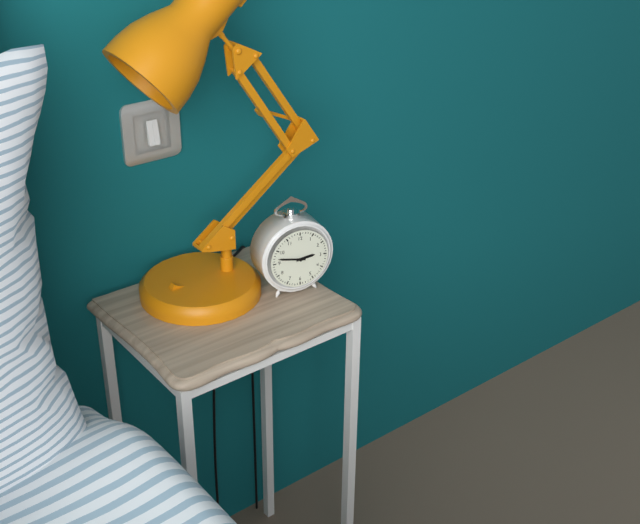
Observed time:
2:47
